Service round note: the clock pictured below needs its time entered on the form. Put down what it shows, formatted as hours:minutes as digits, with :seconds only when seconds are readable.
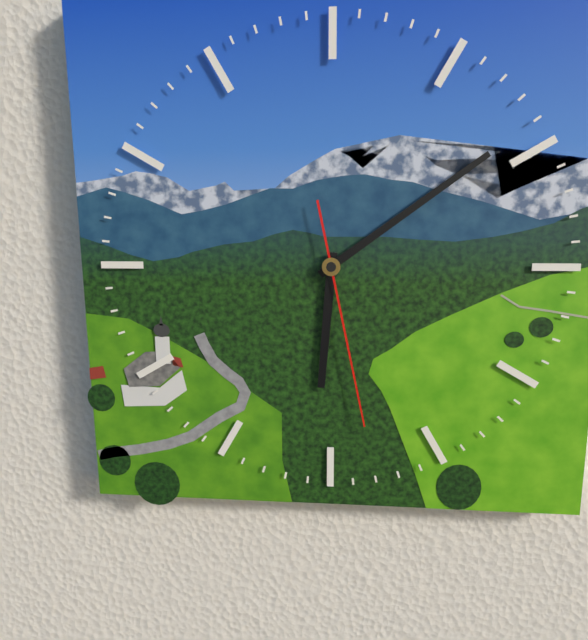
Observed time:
6:09:28
